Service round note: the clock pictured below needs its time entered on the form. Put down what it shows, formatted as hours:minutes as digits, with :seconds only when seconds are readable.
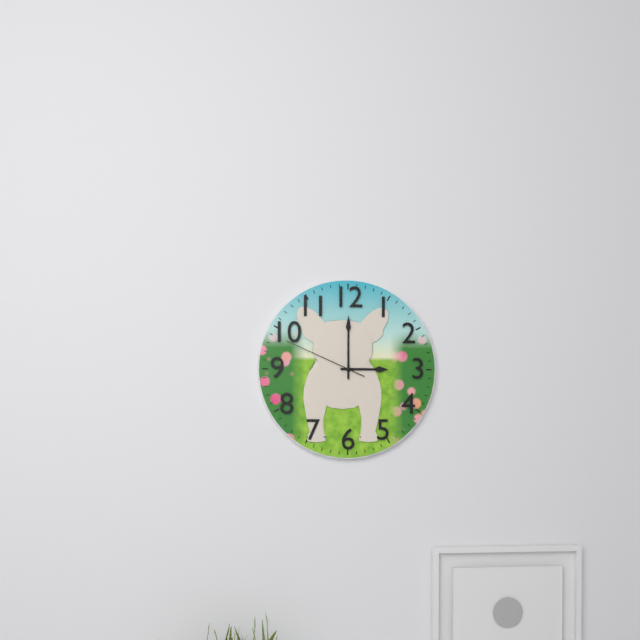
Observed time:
3:00:49
